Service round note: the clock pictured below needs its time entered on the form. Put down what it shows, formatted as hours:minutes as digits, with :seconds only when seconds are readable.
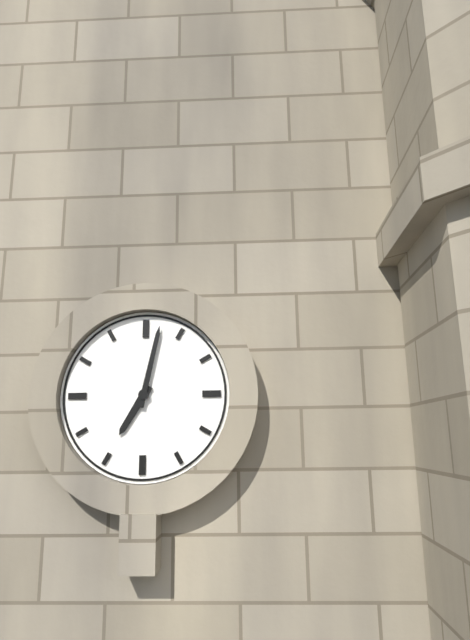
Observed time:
7:02
